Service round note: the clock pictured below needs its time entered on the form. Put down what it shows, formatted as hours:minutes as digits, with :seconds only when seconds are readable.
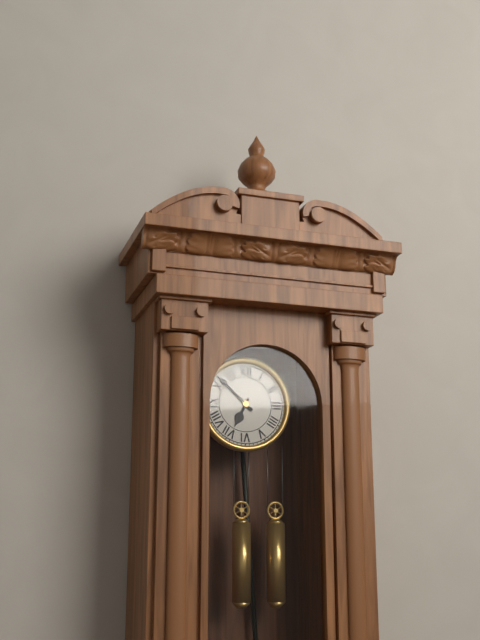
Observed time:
6:52
